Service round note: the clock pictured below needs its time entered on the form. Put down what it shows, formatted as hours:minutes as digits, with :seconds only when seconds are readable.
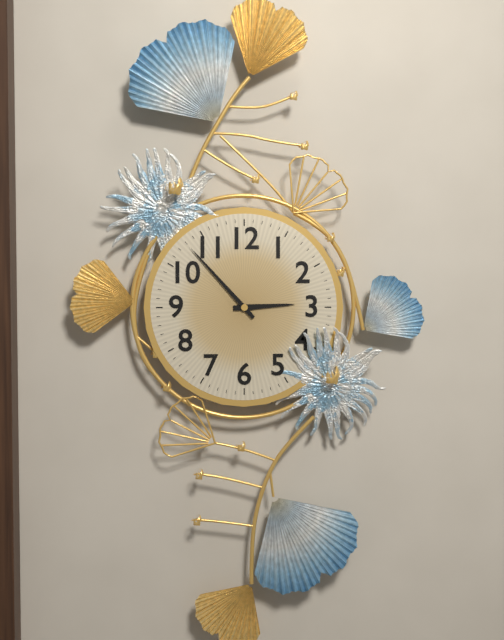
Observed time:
2:53
